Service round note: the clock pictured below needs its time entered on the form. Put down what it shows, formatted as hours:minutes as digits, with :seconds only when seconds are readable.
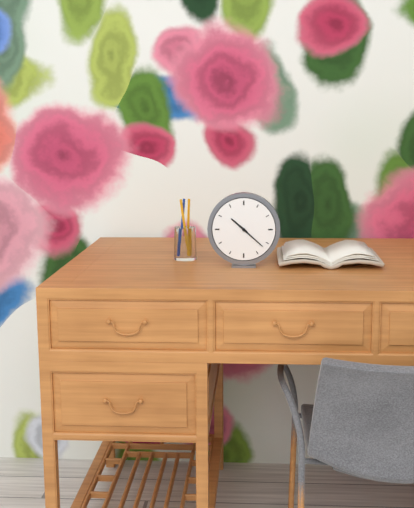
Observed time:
10:22
